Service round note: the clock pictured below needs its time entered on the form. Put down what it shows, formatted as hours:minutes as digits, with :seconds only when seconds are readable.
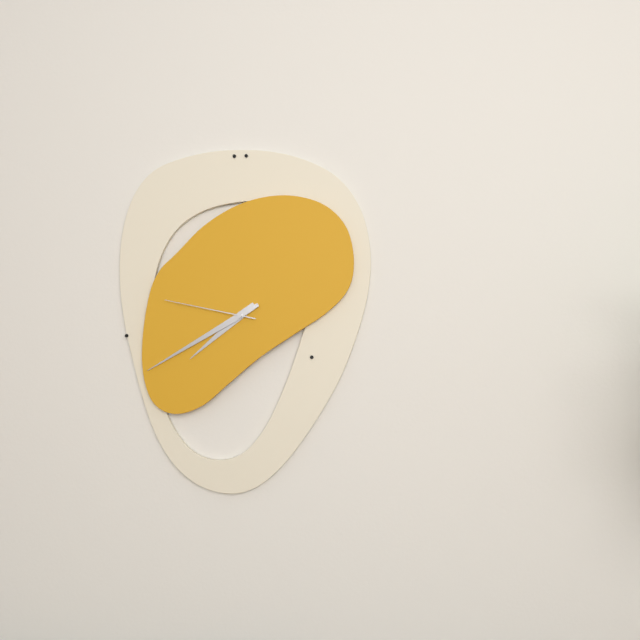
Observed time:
7:40:47
